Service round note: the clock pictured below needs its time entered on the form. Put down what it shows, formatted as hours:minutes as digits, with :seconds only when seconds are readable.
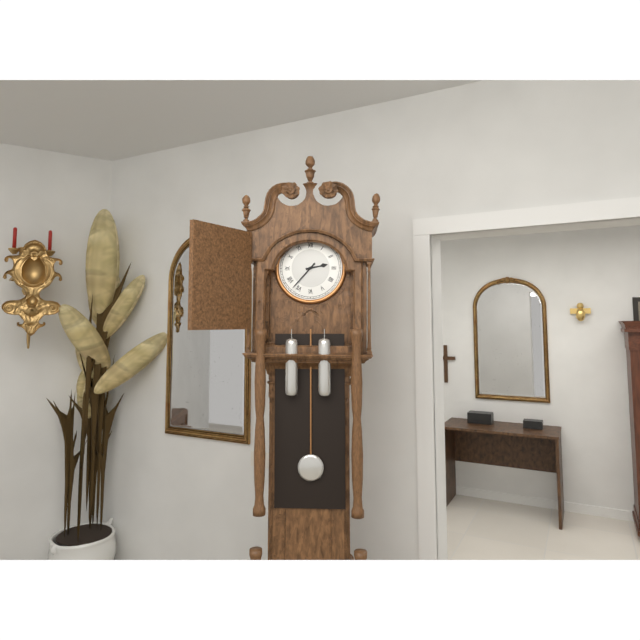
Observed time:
2:37
